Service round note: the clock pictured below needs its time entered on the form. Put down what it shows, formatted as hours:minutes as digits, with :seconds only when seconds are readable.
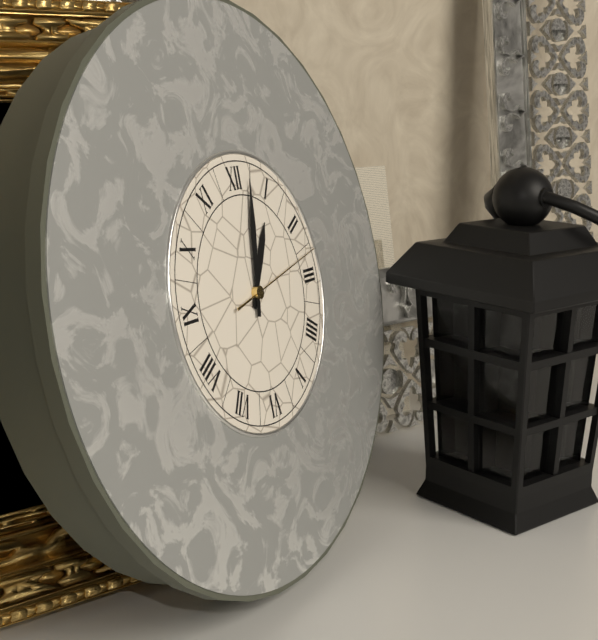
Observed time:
1:02:13
